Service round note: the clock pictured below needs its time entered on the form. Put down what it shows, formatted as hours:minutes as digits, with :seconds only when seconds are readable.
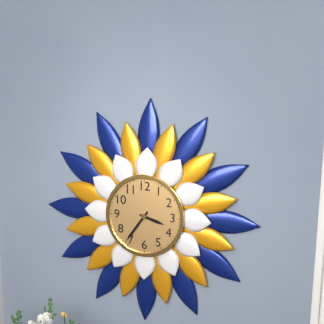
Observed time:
3:36
